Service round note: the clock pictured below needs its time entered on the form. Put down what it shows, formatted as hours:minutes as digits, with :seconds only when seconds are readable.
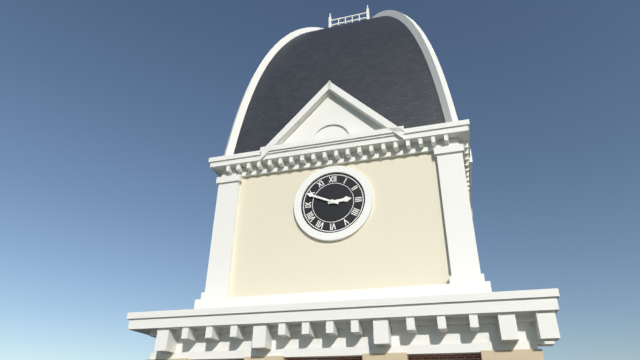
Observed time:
2:49
